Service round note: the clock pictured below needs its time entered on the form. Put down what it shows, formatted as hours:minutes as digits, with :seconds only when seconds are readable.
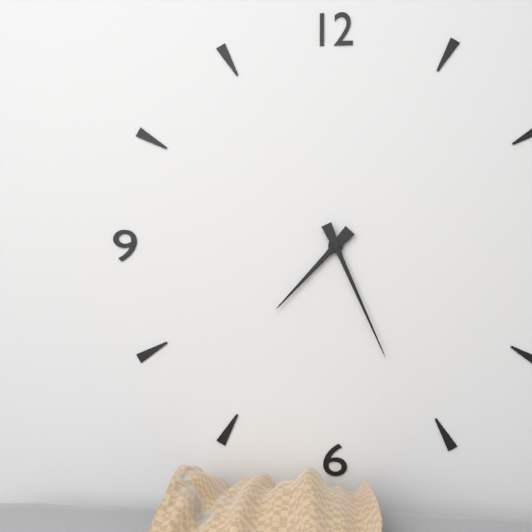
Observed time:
7:26
